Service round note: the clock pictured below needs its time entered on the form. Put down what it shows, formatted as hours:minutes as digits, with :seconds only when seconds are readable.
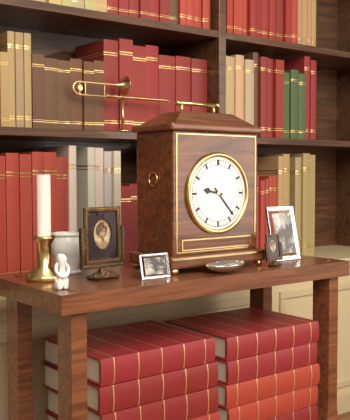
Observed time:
9:23
